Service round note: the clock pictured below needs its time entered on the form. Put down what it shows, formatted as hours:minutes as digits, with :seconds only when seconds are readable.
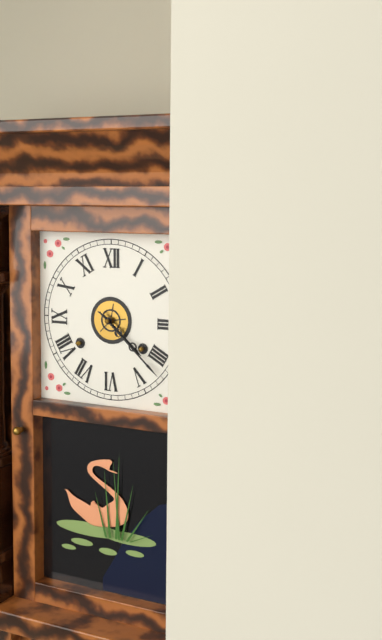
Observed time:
4:22
